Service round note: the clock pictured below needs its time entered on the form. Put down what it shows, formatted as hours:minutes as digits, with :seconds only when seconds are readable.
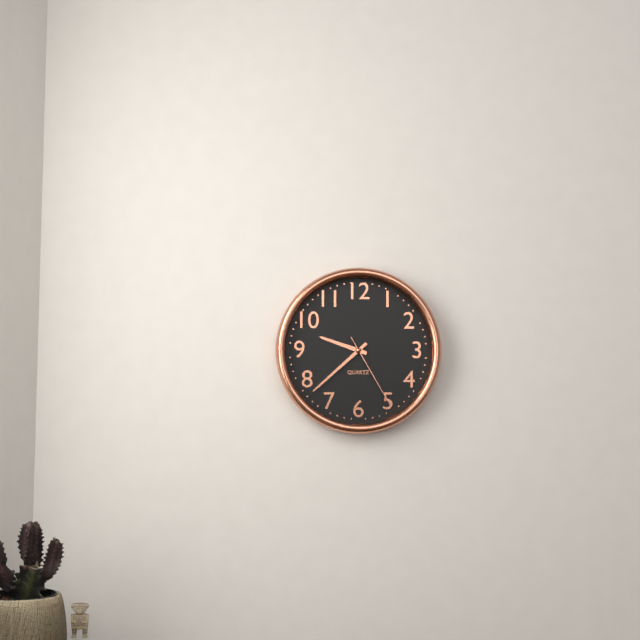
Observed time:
9:38:25
